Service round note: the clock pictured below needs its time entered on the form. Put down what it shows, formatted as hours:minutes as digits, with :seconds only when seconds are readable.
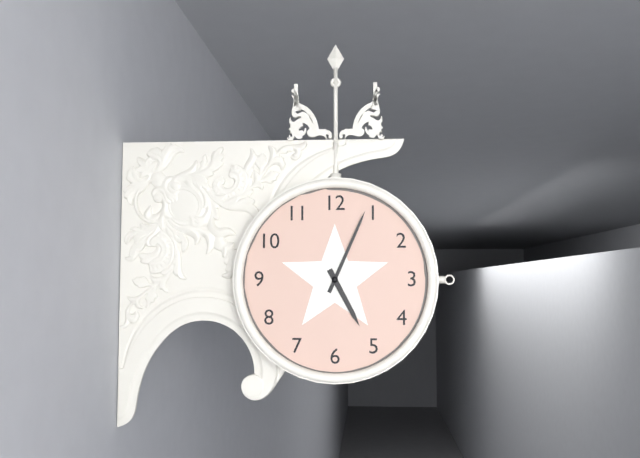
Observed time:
5:04
